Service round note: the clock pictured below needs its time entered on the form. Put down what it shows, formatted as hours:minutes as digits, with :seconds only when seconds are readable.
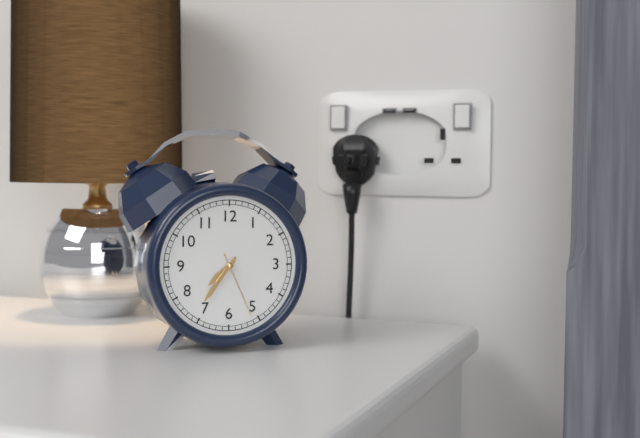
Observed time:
7:36:26
